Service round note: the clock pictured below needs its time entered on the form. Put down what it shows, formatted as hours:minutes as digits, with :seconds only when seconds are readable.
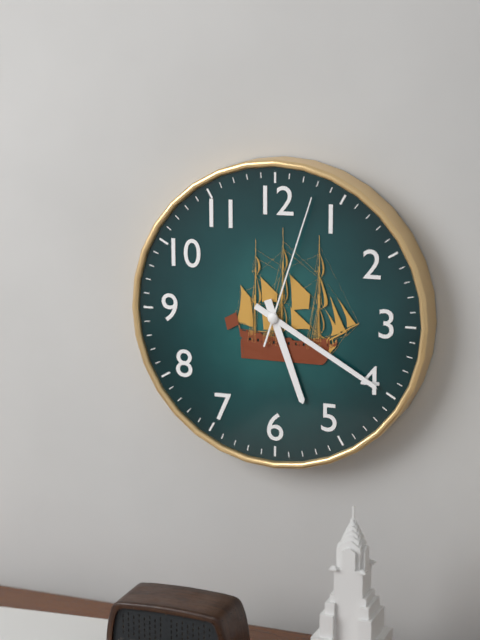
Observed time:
5:20:03
